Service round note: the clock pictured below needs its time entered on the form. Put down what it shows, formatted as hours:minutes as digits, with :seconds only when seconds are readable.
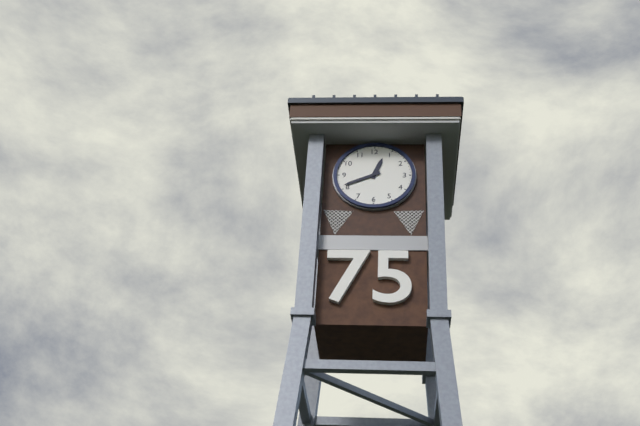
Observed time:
12:41
